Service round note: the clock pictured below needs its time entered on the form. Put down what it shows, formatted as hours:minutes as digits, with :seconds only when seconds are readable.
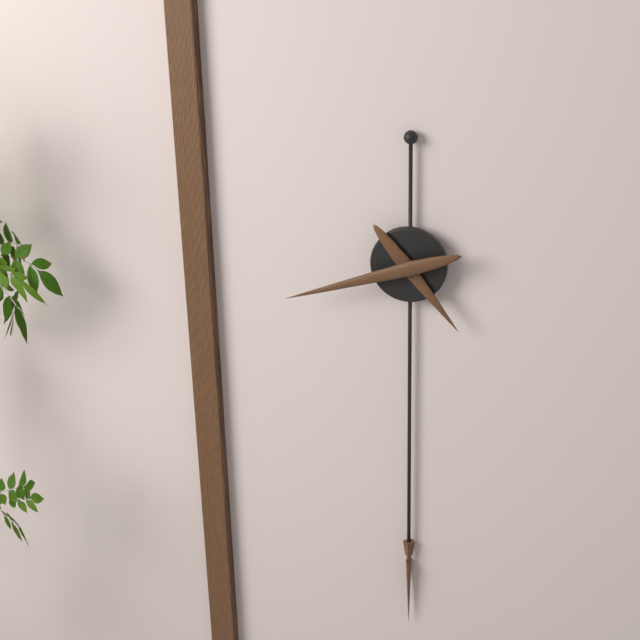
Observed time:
4:42
